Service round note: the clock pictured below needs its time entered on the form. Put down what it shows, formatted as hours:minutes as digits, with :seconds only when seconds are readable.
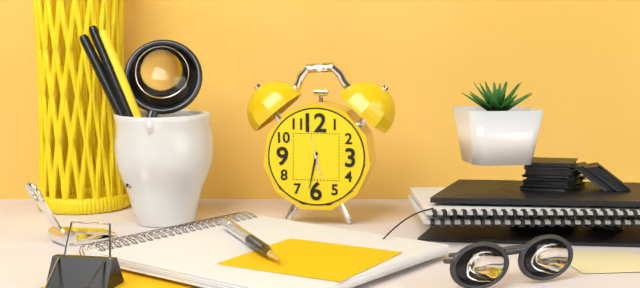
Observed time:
5:32
